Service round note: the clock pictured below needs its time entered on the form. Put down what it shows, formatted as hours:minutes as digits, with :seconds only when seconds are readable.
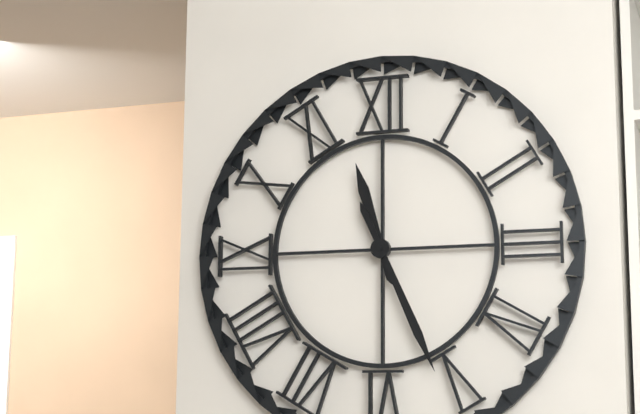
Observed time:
11:26
